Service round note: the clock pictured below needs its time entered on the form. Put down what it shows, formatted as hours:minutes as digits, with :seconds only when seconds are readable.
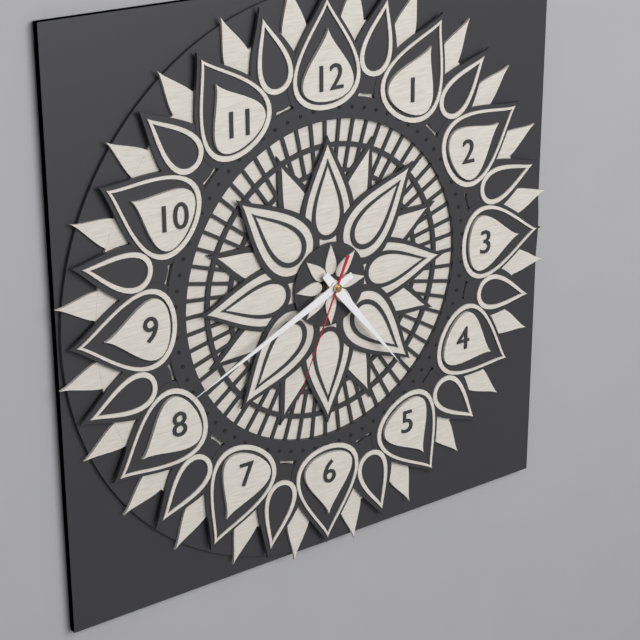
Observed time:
4:41:34
